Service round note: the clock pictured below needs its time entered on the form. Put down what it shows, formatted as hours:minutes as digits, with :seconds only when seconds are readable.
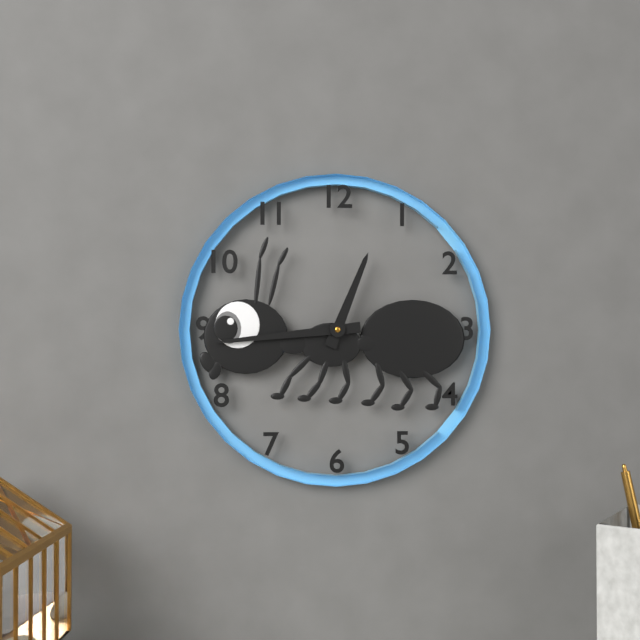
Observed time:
12:44
